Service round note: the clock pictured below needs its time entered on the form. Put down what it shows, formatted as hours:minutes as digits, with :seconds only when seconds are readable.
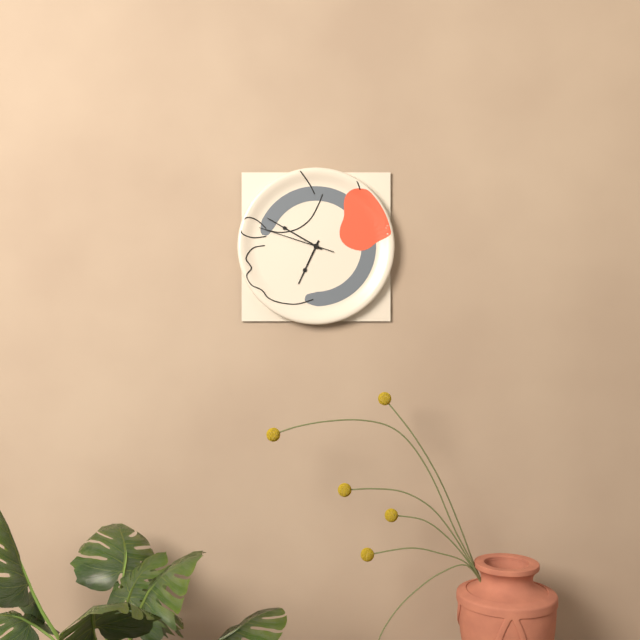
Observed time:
6:50:48
